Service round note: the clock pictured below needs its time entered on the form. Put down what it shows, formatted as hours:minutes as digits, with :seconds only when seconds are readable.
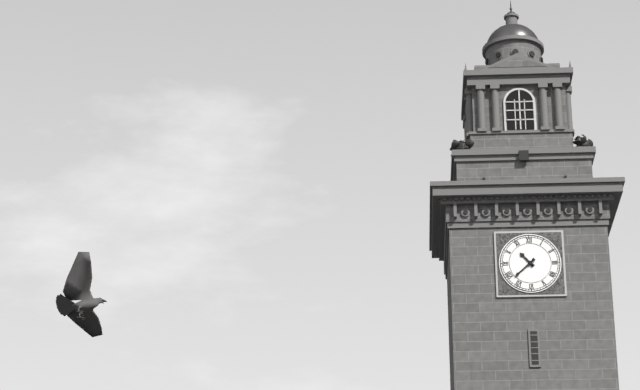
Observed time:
10:38
